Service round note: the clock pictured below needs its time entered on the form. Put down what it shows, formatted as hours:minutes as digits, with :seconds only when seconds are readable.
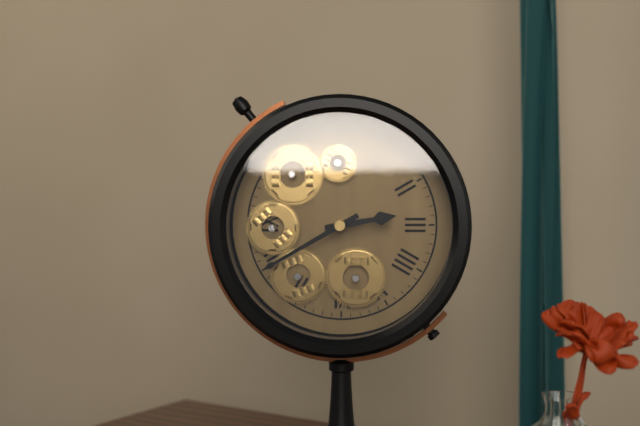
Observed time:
2:40
